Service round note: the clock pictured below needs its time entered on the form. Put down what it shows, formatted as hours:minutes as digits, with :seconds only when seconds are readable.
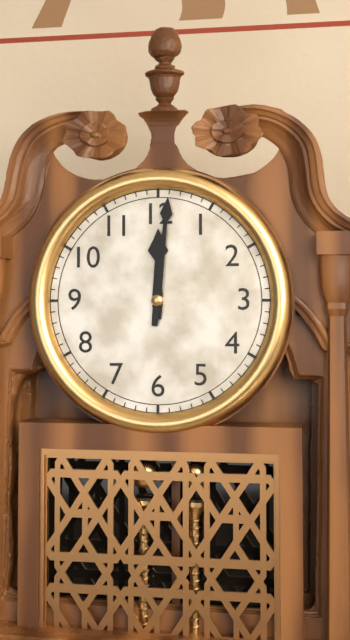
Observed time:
12:01
